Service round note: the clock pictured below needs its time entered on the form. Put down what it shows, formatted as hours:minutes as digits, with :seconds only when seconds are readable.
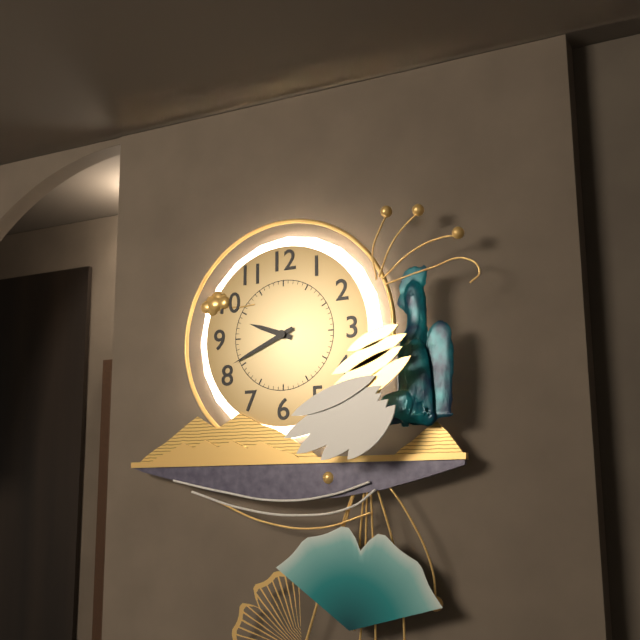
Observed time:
9:41
